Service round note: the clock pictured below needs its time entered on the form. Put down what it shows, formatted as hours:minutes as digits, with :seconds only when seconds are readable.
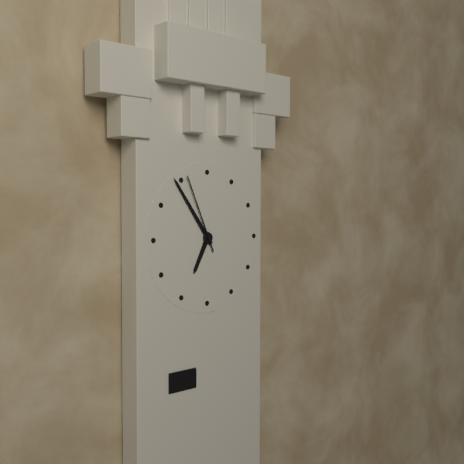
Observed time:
6:54:56
